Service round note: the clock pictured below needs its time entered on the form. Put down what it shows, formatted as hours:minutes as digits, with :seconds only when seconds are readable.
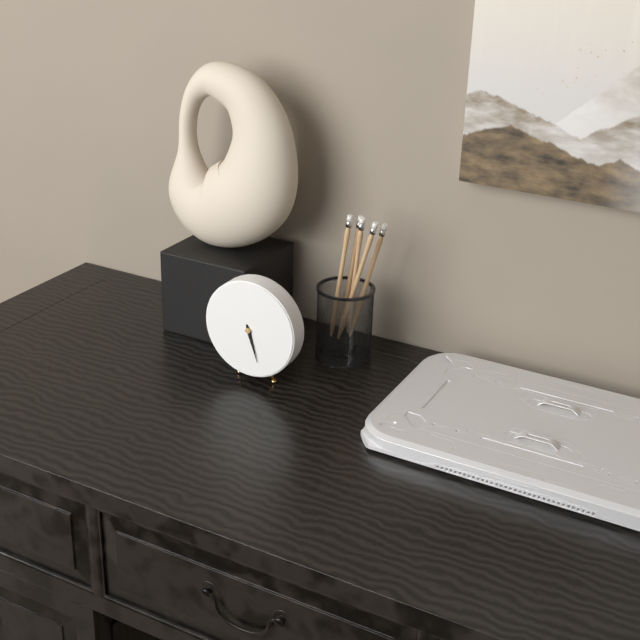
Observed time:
5:27
